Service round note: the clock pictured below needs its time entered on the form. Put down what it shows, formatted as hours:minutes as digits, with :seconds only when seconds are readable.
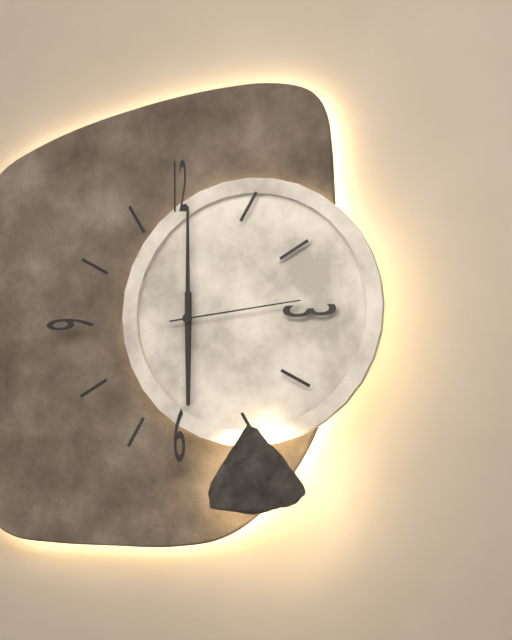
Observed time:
6:00:14
